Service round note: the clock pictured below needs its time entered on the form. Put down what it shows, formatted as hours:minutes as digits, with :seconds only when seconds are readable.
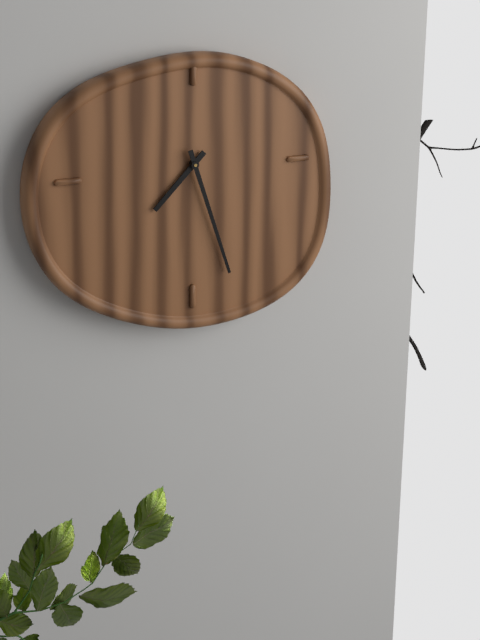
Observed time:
7:27
